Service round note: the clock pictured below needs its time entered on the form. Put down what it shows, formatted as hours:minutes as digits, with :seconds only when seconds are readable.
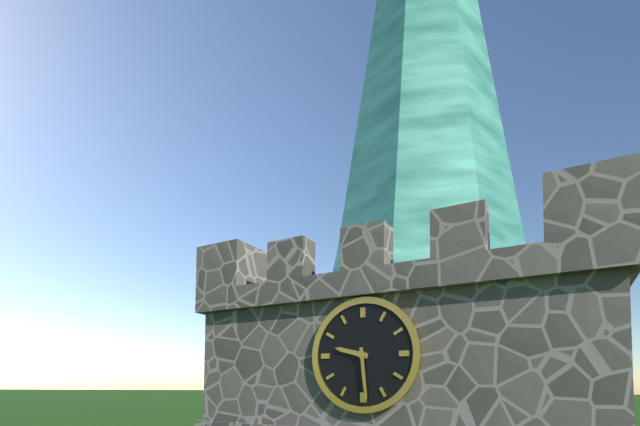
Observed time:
9:29
